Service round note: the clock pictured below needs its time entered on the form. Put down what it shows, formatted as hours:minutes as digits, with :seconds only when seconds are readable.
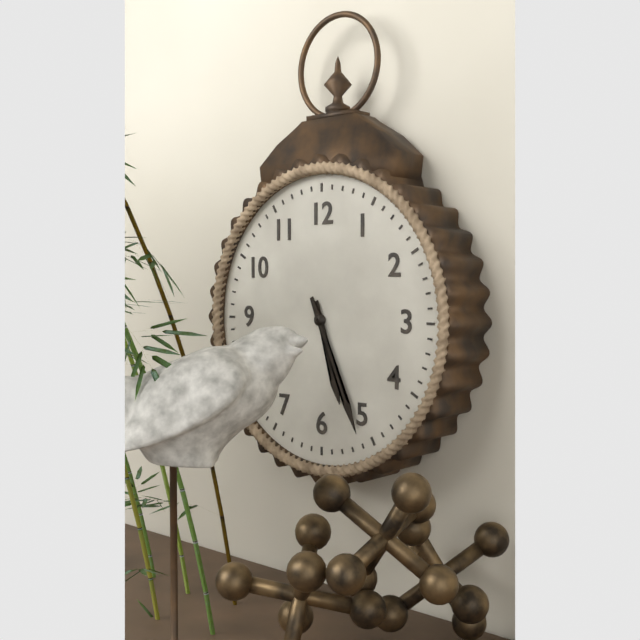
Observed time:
5:26
